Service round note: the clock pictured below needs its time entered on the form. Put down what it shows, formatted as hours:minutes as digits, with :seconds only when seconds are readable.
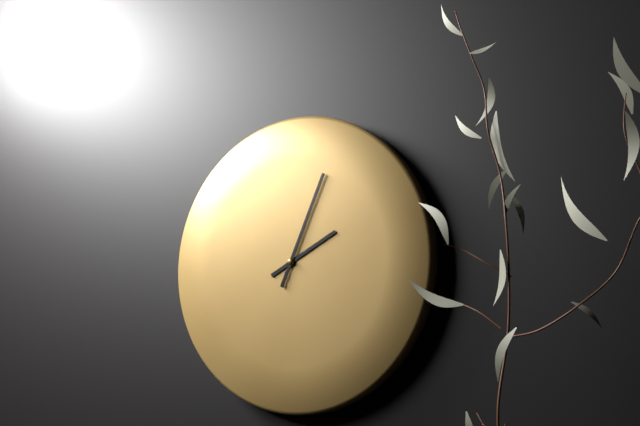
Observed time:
2:04
